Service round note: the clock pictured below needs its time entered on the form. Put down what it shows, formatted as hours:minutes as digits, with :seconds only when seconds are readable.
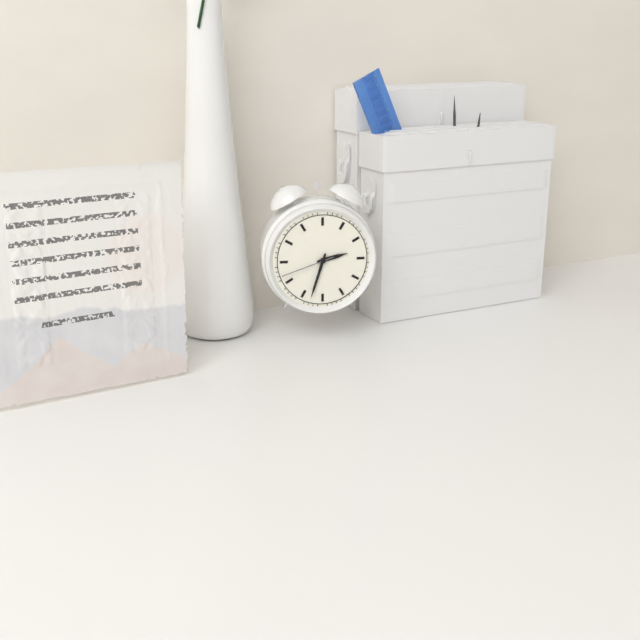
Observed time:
2:33:42
